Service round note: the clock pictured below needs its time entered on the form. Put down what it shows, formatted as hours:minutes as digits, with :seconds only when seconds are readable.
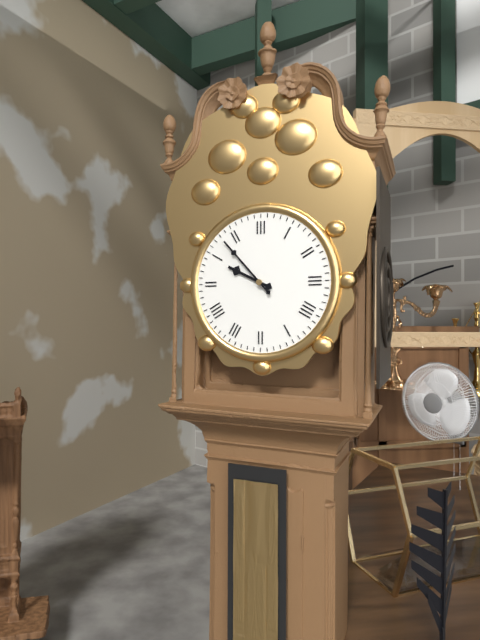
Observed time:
9:53
